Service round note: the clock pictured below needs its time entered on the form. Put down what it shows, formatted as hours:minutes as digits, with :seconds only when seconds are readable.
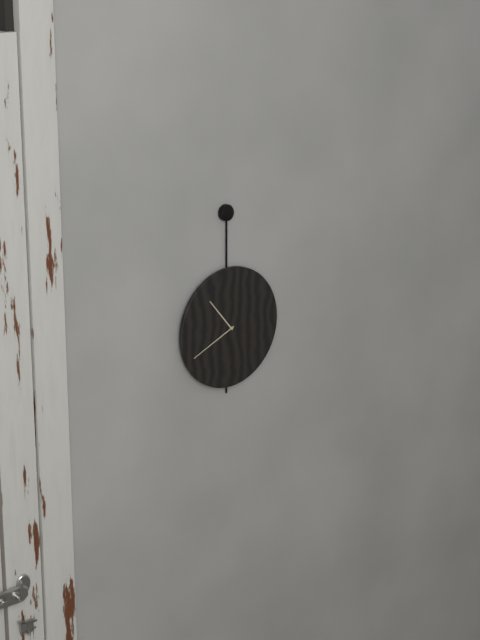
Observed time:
10:41
